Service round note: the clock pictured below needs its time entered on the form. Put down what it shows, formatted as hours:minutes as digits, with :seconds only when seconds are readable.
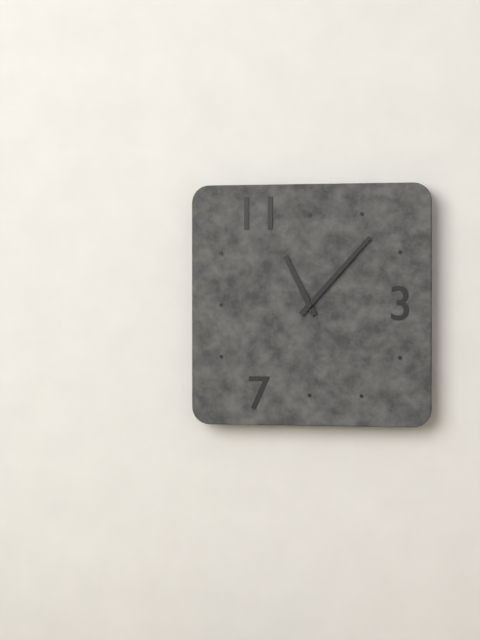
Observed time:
11:07
